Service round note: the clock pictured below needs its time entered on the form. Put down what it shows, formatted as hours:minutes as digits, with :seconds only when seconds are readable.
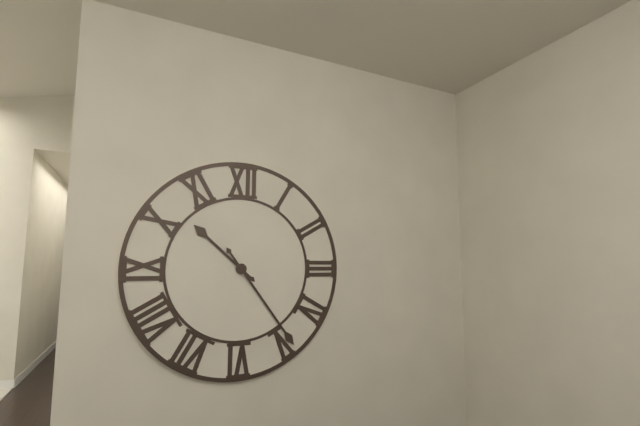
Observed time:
10:24
